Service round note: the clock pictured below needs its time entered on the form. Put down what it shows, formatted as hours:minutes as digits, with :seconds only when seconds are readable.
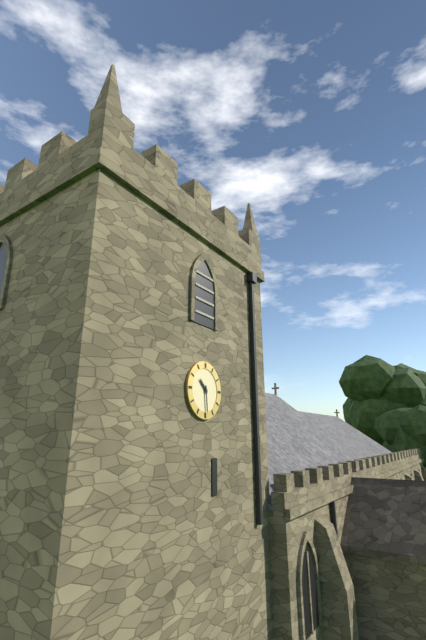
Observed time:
10:29
